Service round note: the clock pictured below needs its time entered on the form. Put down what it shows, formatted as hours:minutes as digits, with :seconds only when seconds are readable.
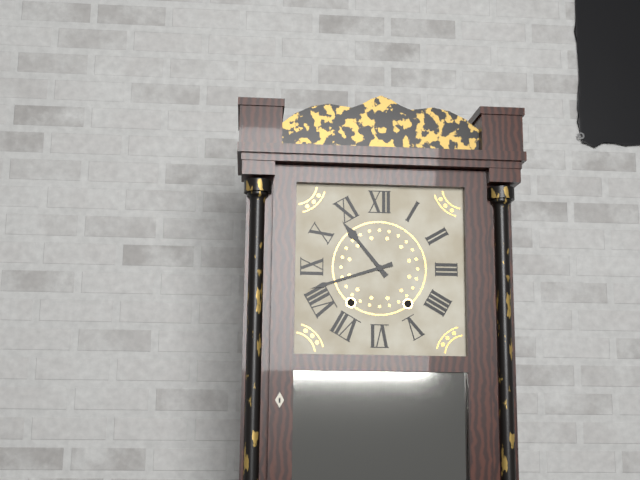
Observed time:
10:42
